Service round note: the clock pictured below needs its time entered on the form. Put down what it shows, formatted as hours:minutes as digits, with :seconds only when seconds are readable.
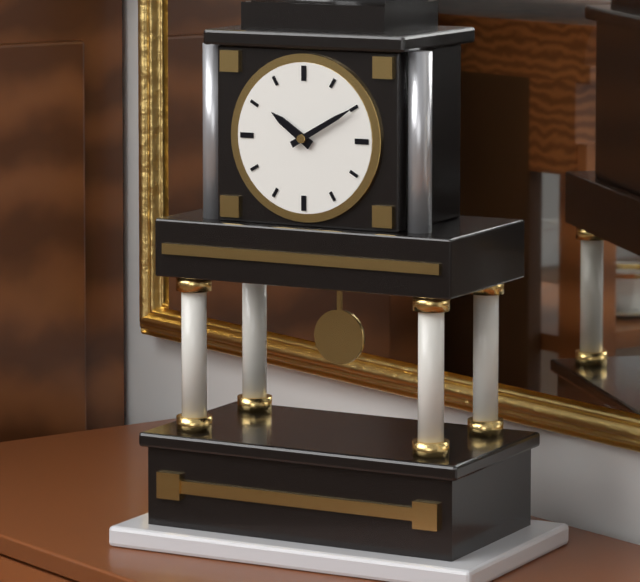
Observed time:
10:10
